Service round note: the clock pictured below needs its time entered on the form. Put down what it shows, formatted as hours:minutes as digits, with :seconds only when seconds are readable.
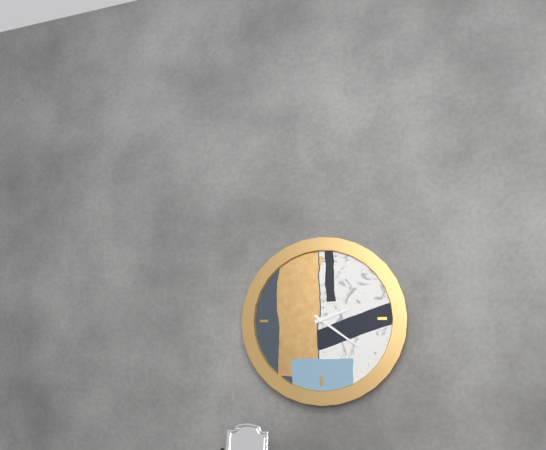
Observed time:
2:21
